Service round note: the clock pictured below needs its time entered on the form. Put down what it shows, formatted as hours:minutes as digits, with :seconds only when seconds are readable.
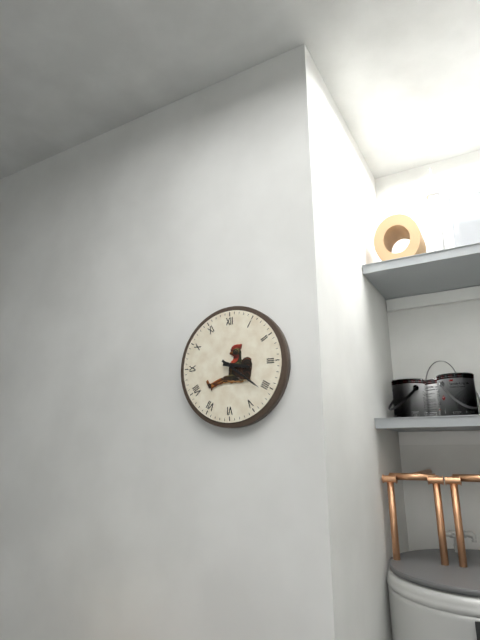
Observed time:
3:21
